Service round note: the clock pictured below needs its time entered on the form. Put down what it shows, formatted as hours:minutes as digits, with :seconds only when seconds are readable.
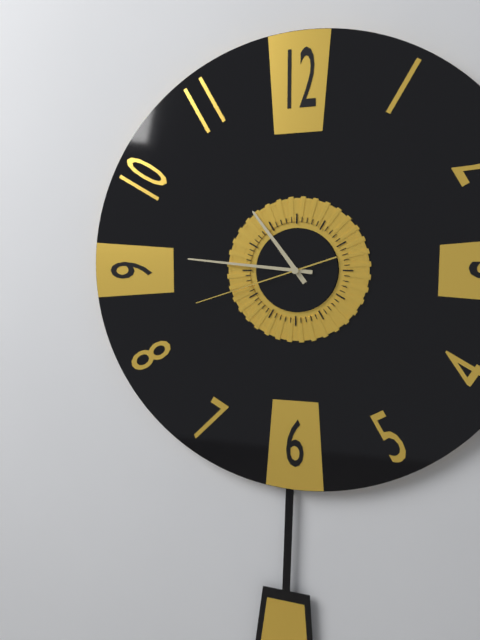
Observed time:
10:46:42
